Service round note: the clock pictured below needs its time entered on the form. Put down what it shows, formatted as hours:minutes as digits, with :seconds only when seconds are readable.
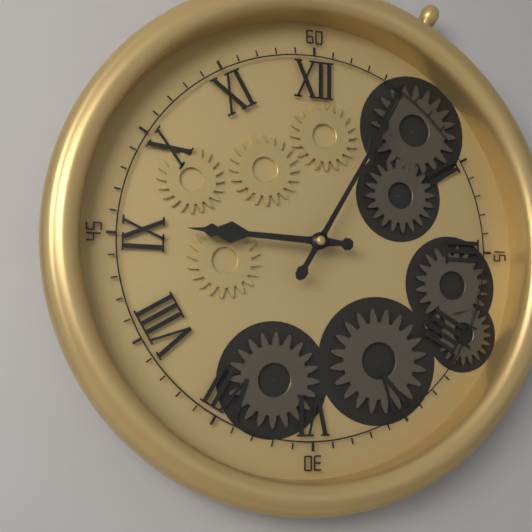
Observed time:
9:05
